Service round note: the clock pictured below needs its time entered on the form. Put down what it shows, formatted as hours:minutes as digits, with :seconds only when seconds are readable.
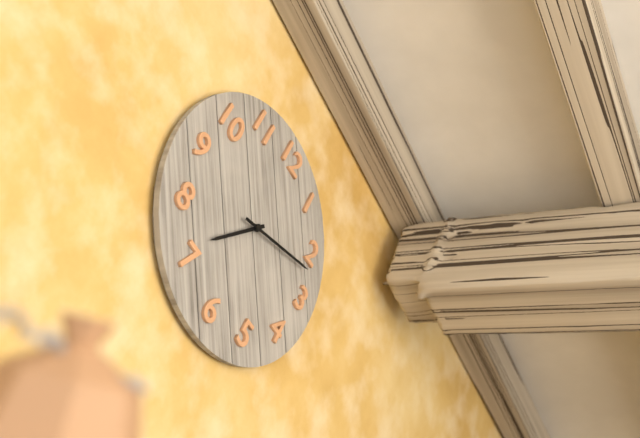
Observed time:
7:12
